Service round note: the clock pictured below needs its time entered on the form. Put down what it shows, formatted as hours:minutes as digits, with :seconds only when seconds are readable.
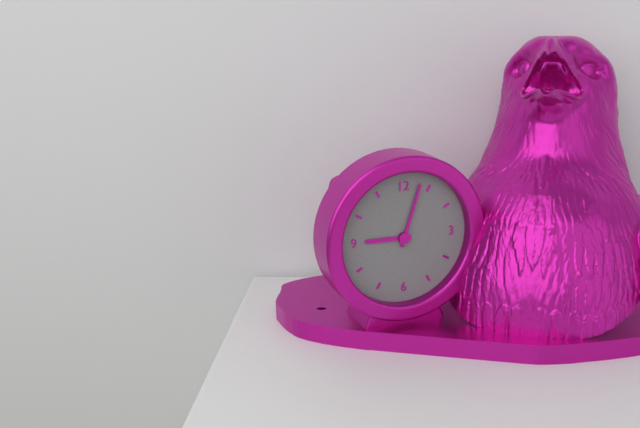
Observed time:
9:03
